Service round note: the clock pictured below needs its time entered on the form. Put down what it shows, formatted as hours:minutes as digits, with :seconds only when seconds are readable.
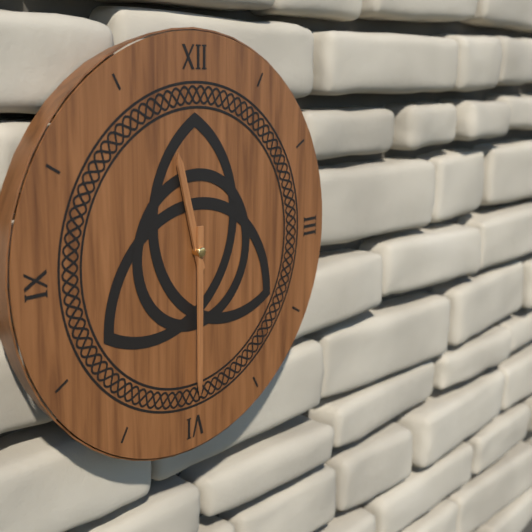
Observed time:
11:30
